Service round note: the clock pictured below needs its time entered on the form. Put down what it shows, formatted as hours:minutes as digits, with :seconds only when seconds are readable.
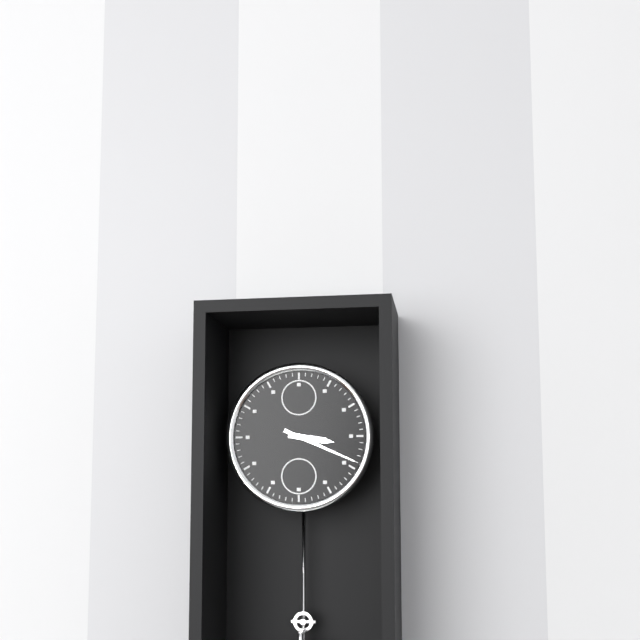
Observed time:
3:19
